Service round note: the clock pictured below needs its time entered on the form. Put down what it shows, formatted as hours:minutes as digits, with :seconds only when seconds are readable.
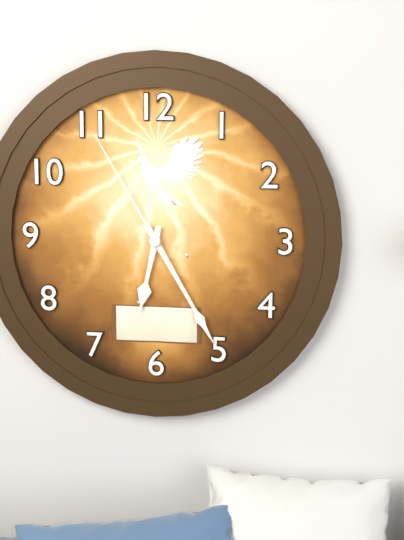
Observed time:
6:25:55
